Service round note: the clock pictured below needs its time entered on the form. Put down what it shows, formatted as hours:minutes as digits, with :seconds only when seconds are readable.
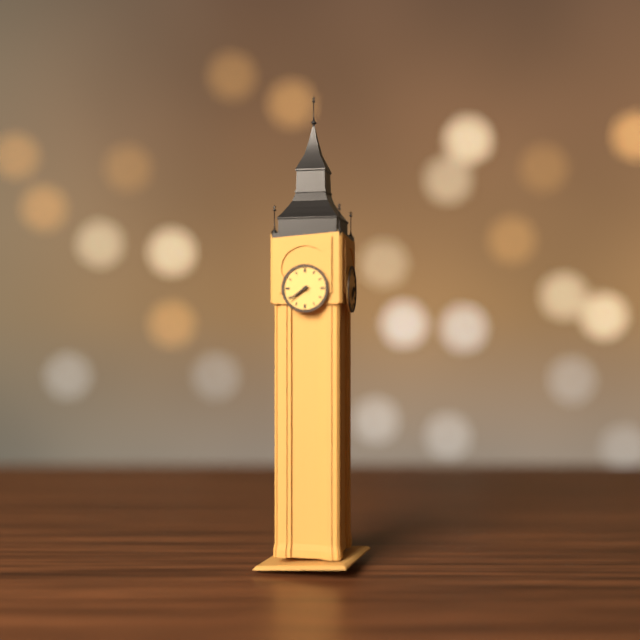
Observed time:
7:39
